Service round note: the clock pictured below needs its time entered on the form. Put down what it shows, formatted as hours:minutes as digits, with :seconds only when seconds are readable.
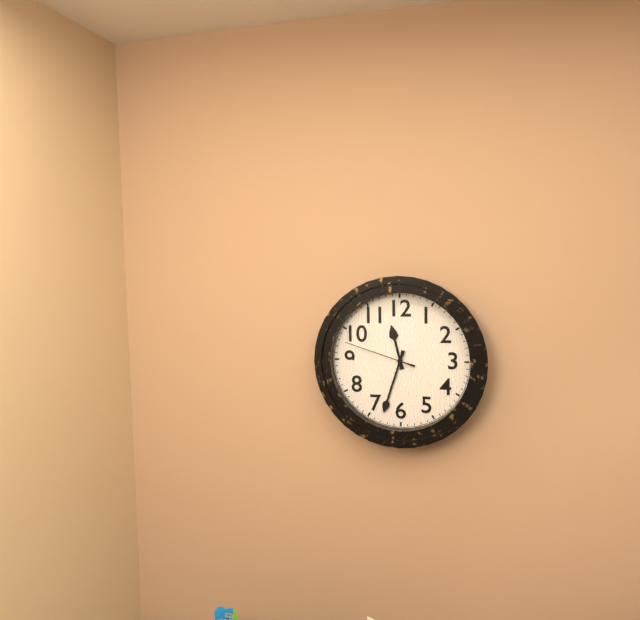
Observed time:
11:33:48
